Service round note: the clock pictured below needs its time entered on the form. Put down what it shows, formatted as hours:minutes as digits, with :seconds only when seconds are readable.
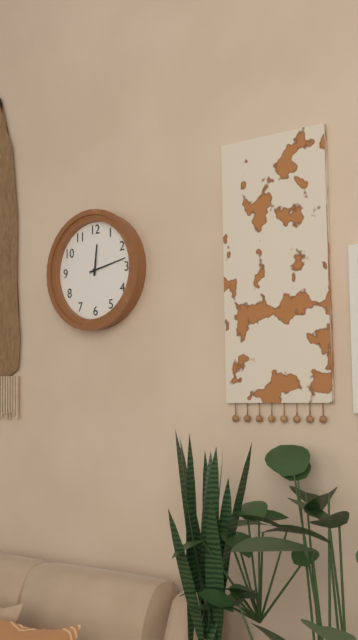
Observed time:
12:13
